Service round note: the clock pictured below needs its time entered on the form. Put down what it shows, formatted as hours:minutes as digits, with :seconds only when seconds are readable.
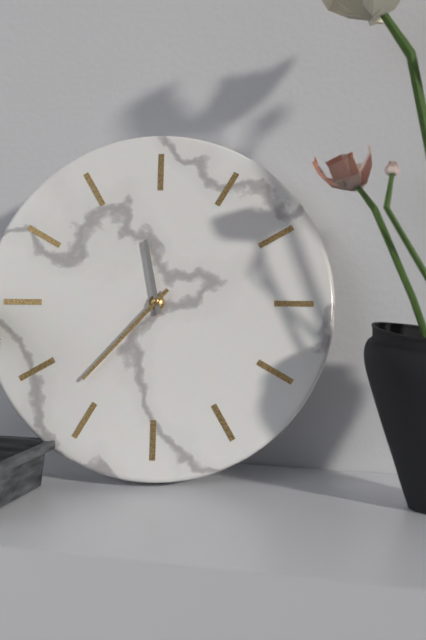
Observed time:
11:37
